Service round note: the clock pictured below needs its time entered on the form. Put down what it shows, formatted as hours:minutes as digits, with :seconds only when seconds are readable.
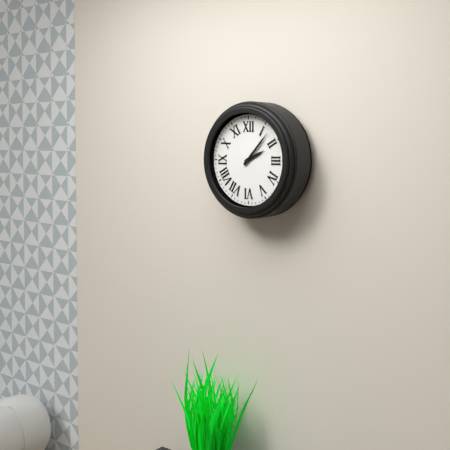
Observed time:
2:07
